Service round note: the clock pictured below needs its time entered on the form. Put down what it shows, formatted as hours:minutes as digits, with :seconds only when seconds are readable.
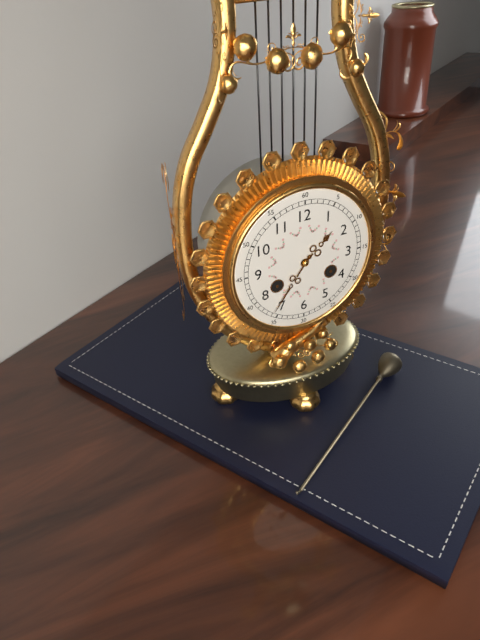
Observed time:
1:36
